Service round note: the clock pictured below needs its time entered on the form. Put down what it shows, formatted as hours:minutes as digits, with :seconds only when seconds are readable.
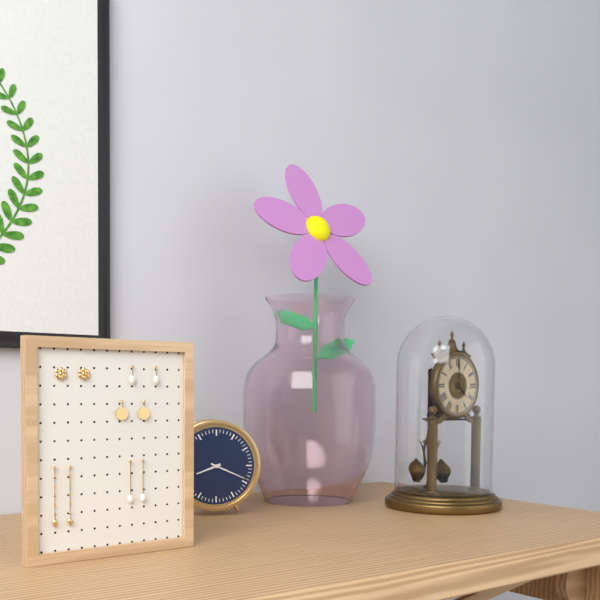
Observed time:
8:19
